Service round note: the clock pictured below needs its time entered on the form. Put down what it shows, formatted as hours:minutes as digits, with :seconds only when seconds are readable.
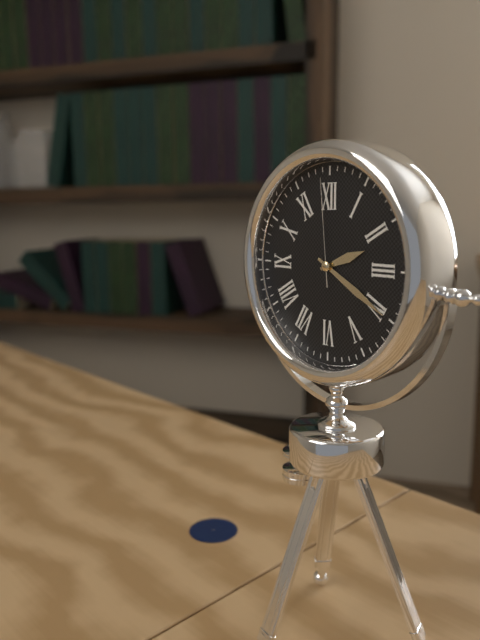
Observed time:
2:20:59
